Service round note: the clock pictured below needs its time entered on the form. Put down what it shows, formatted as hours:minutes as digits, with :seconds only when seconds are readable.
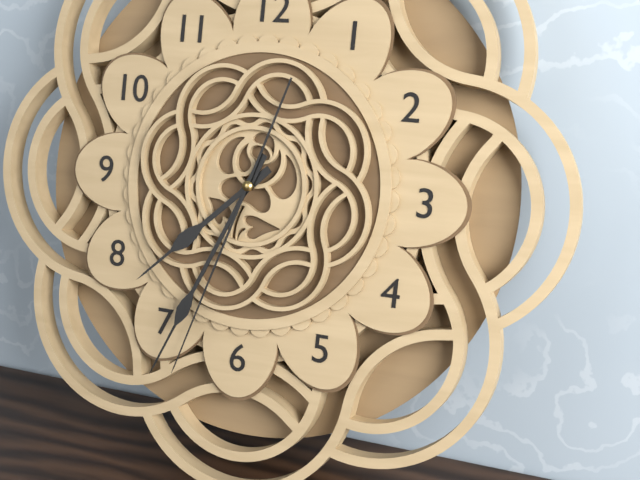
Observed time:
7:34:33
